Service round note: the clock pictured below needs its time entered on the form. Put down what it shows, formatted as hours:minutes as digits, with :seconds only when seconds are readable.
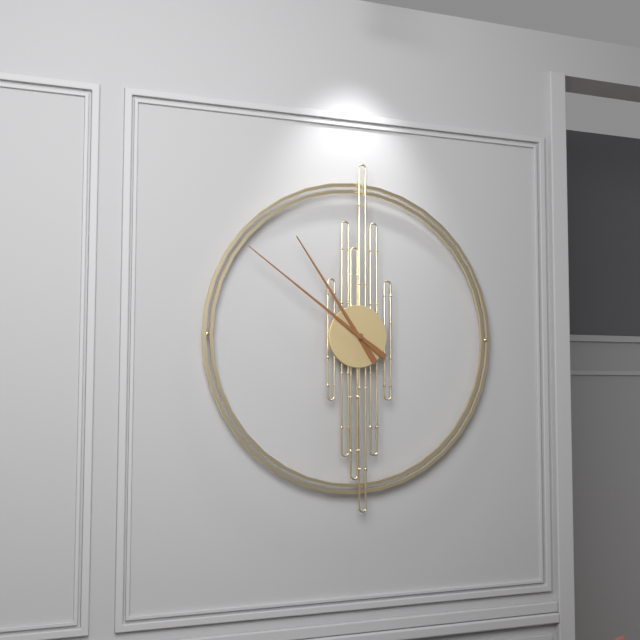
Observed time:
10:51
